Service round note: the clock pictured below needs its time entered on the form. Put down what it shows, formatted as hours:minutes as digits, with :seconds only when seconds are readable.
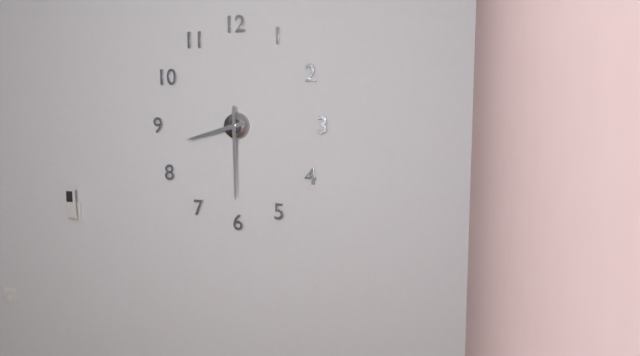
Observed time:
8:30
